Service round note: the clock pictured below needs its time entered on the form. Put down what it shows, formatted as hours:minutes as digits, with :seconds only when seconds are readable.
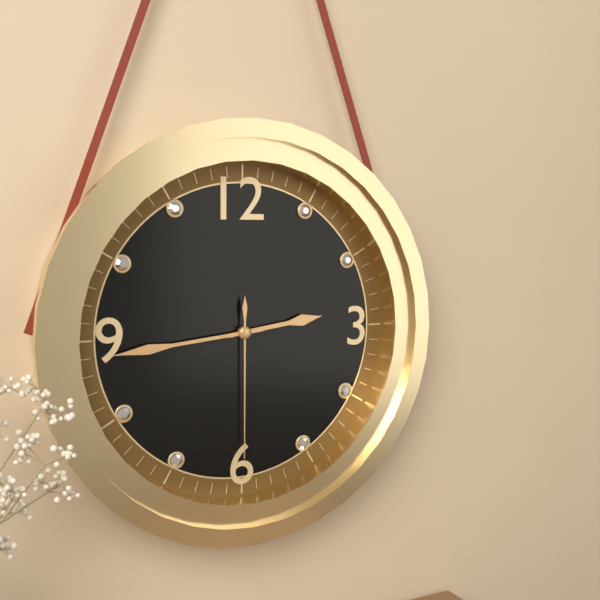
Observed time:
2:44:30
